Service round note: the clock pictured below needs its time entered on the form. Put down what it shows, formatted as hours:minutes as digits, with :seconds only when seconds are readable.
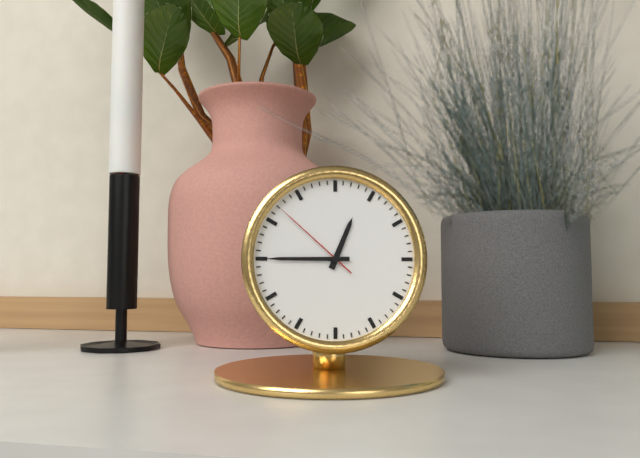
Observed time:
12:45:52
